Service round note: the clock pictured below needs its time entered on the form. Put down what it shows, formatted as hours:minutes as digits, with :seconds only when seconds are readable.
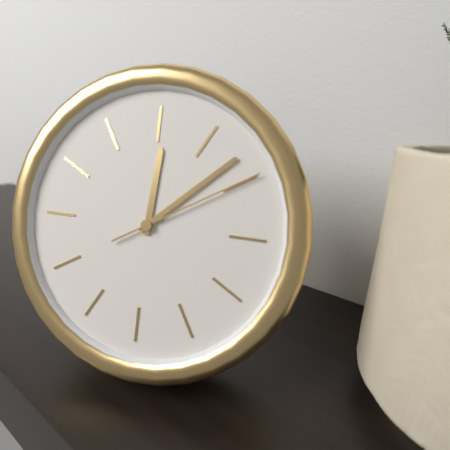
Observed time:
12:08:10
